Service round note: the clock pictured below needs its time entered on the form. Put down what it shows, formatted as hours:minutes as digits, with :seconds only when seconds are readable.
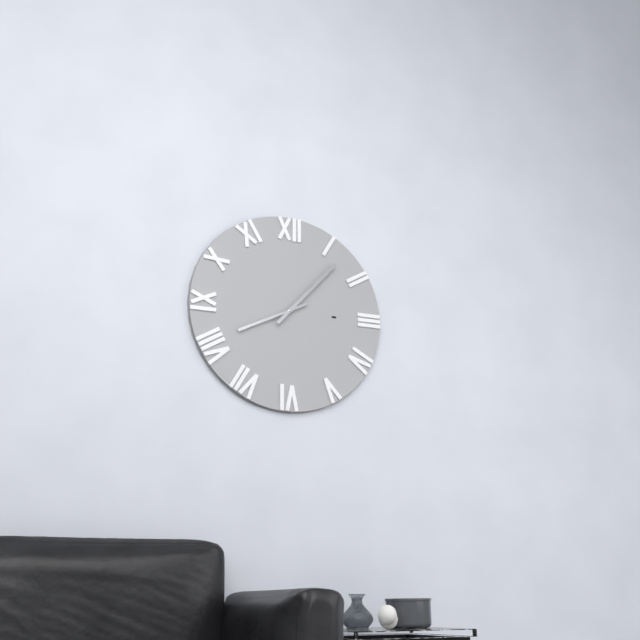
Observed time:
8:07
